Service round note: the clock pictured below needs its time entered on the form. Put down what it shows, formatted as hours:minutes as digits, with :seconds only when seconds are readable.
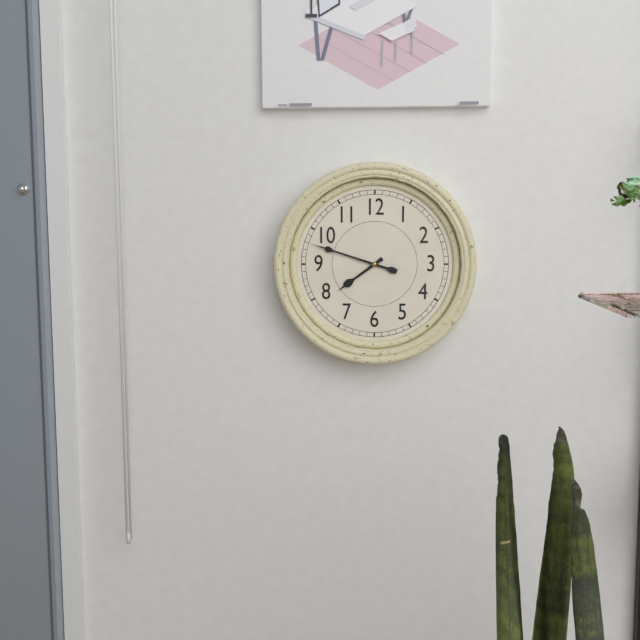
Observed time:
7:48
